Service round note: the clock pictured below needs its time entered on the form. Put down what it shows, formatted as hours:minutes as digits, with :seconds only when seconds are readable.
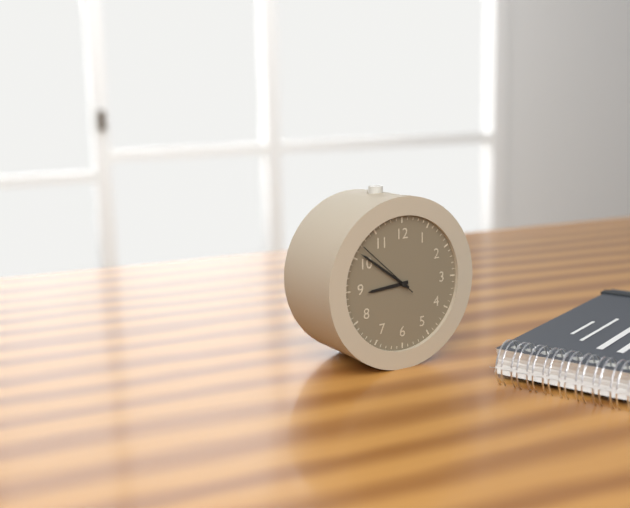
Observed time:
8:51:52
